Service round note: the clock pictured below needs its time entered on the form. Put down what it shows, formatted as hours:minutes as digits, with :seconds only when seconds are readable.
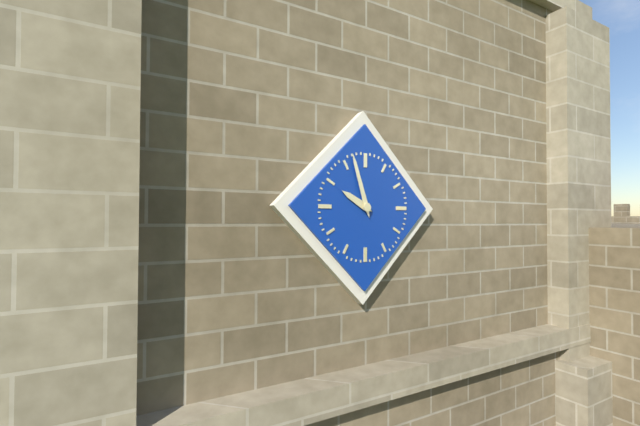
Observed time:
9:57
